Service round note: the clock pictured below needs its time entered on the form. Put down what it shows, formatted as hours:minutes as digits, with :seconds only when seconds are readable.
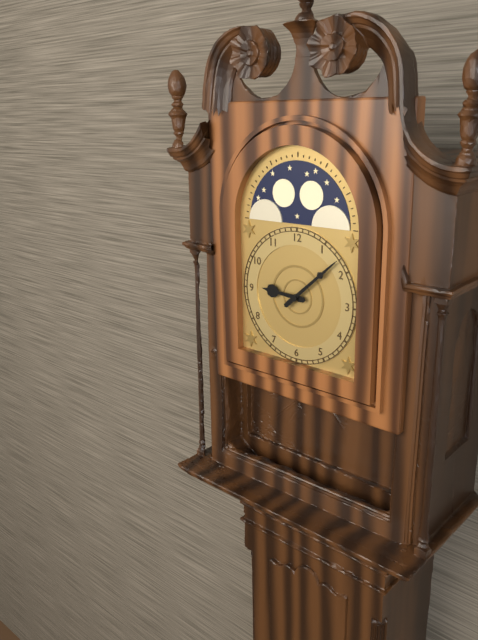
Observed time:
9:08
